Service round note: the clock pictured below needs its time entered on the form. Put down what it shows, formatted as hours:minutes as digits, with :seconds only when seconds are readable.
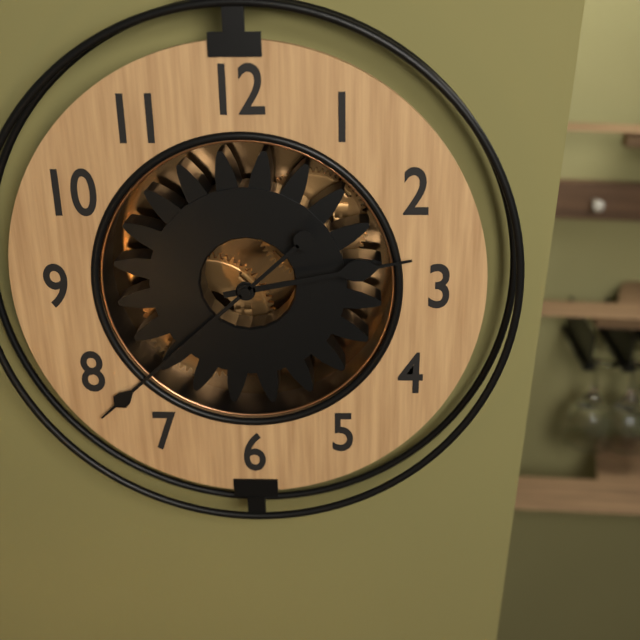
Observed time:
2:38
